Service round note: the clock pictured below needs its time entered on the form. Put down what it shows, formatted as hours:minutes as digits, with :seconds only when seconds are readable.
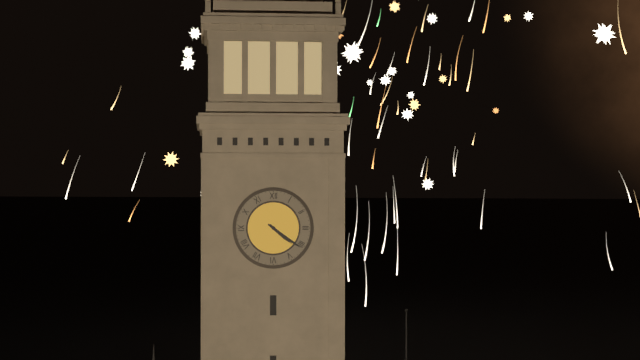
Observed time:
4:21
